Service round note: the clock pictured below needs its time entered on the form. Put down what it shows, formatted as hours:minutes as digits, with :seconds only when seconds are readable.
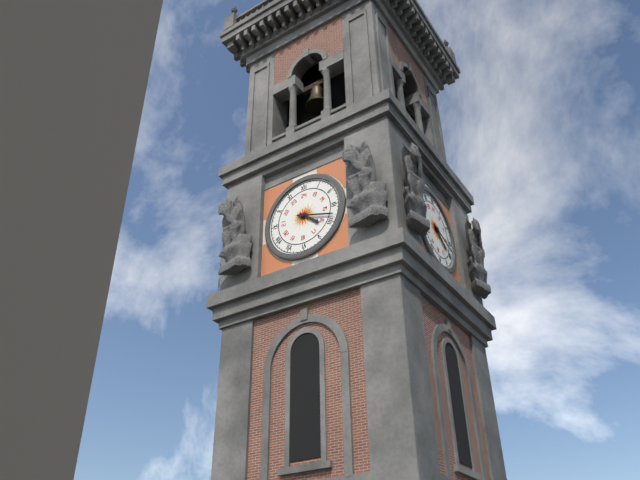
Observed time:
4:18
